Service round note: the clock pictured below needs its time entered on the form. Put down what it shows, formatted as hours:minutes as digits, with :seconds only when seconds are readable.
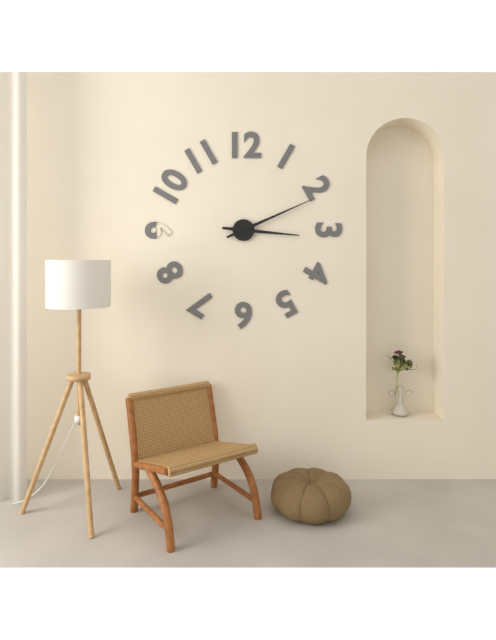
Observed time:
3:11
